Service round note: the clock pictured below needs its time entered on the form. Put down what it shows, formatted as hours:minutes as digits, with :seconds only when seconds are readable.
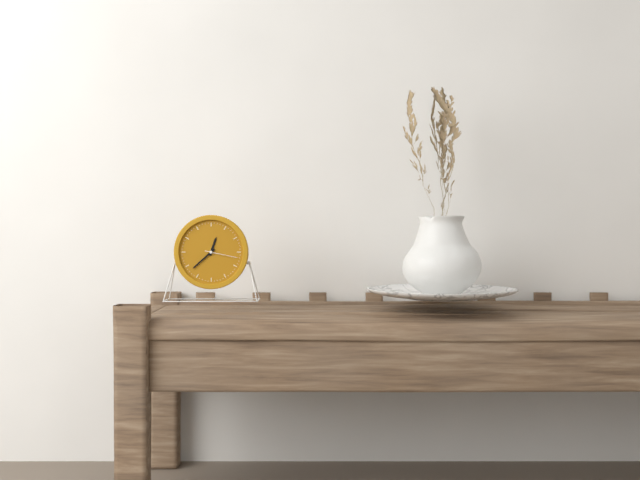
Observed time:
12:38
